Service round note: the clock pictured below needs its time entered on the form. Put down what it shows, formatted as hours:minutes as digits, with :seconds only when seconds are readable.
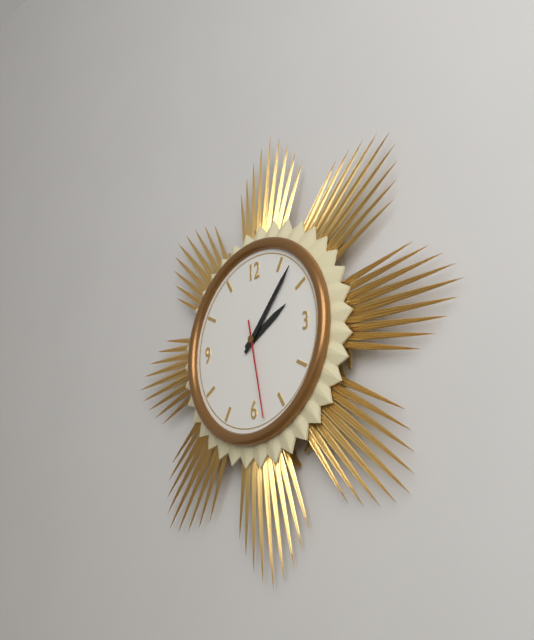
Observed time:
2:07:28
